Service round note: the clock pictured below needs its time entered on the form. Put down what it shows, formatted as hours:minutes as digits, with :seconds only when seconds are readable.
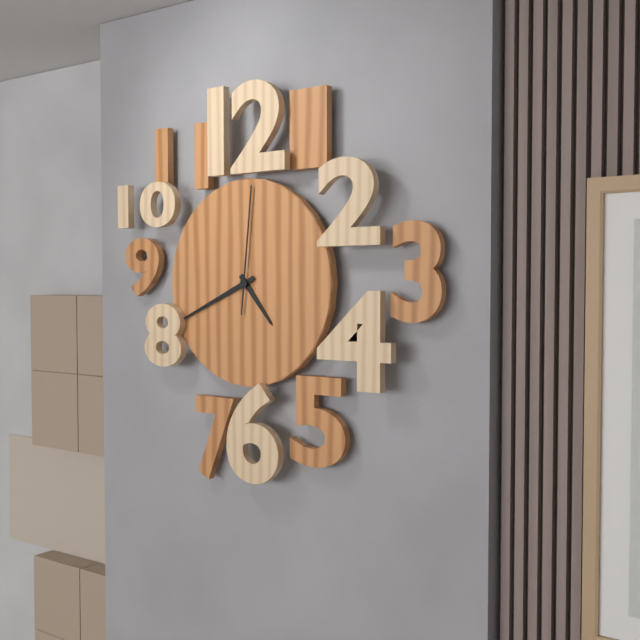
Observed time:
4:41:01
